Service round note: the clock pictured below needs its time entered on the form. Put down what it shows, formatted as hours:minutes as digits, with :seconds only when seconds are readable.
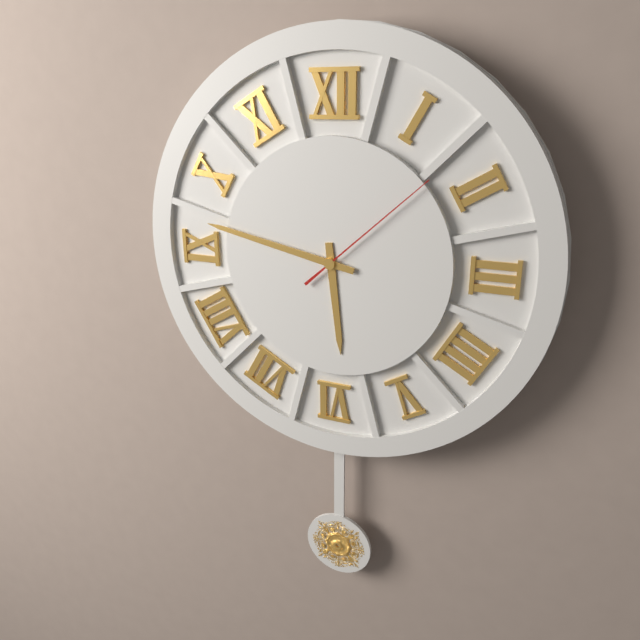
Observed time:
5:47:08
